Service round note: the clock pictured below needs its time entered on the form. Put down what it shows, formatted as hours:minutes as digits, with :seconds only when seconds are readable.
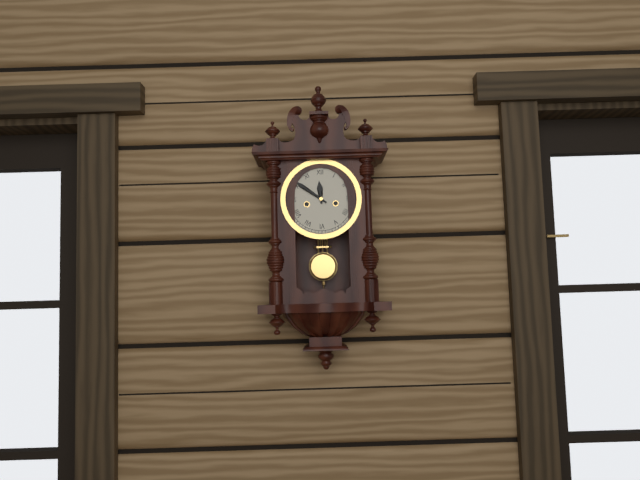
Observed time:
11:51
